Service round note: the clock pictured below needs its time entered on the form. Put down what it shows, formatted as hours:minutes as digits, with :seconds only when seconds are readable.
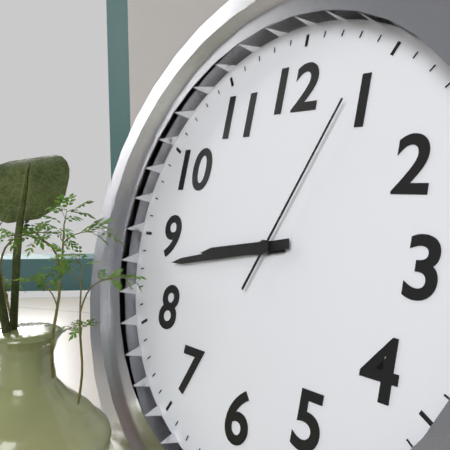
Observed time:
8:43:04
